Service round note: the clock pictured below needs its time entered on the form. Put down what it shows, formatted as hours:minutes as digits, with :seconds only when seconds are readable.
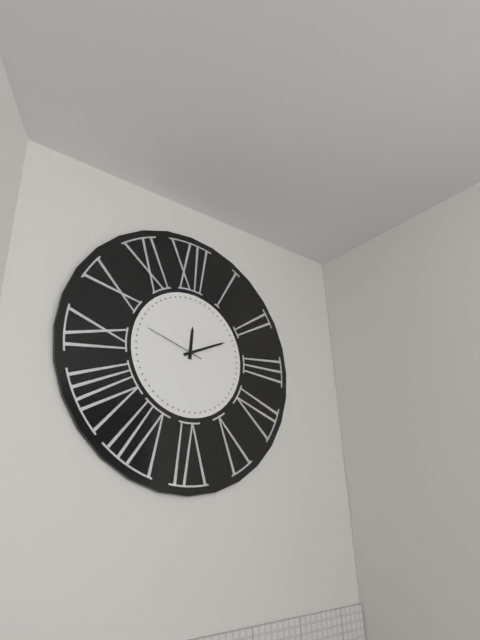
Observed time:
12:11:48
